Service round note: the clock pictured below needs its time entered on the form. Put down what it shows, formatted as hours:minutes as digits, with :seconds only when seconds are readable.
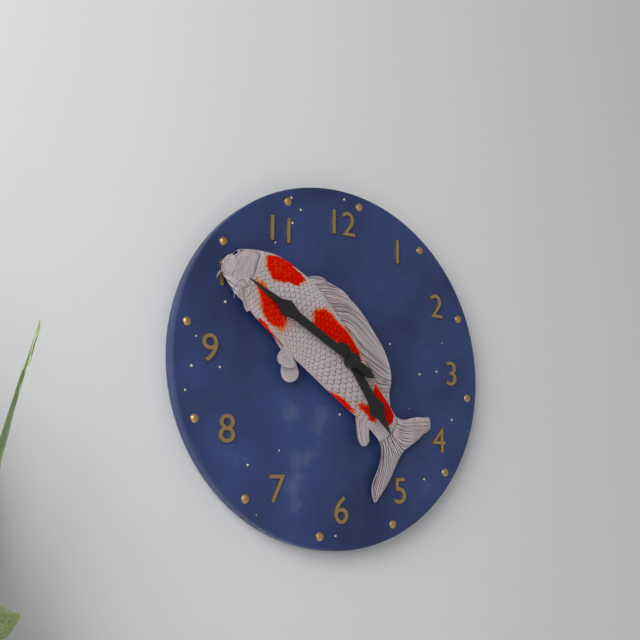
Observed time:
4:50
